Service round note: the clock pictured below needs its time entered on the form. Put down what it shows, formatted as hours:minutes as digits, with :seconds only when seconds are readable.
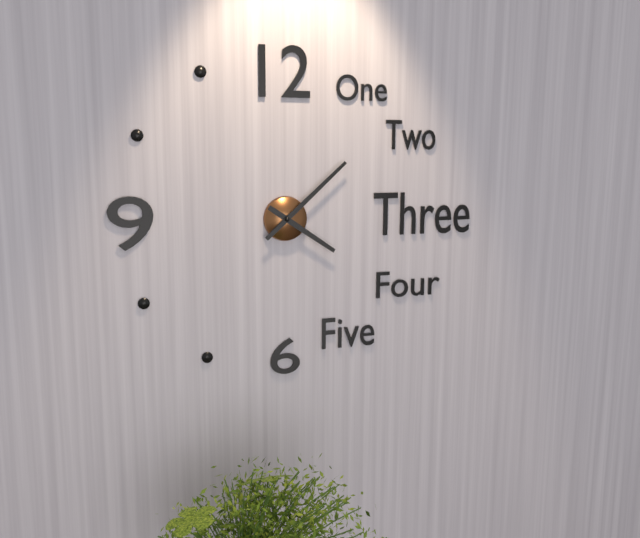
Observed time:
4:08
